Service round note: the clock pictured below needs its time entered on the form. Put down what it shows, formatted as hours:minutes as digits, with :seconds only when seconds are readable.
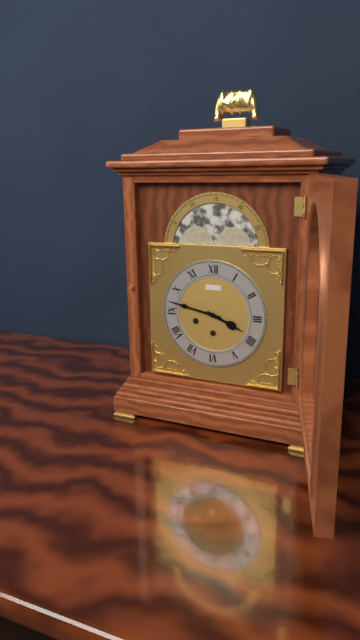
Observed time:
3:47
